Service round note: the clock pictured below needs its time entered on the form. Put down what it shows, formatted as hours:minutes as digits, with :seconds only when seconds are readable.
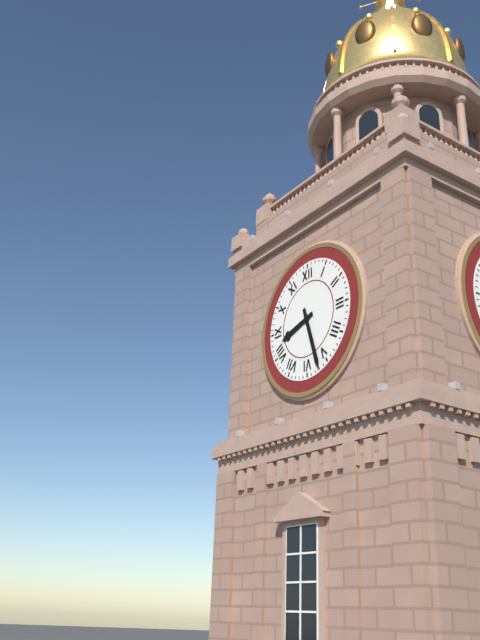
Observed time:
8:27
